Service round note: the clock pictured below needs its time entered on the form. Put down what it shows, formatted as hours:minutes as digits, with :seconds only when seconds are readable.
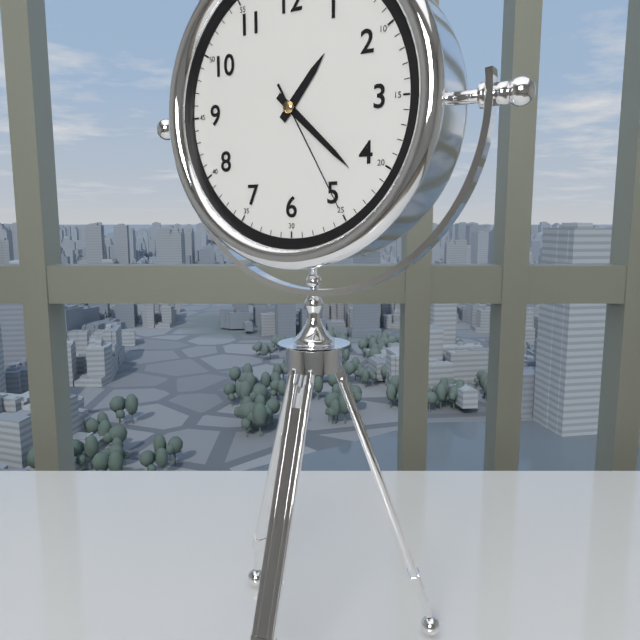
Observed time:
1:22:25
